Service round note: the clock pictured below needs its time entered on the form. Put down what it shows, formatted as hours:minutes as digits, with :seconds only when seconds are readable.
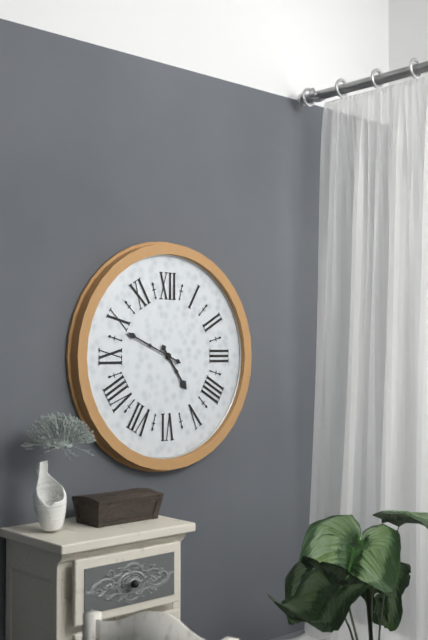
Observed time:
4:49
